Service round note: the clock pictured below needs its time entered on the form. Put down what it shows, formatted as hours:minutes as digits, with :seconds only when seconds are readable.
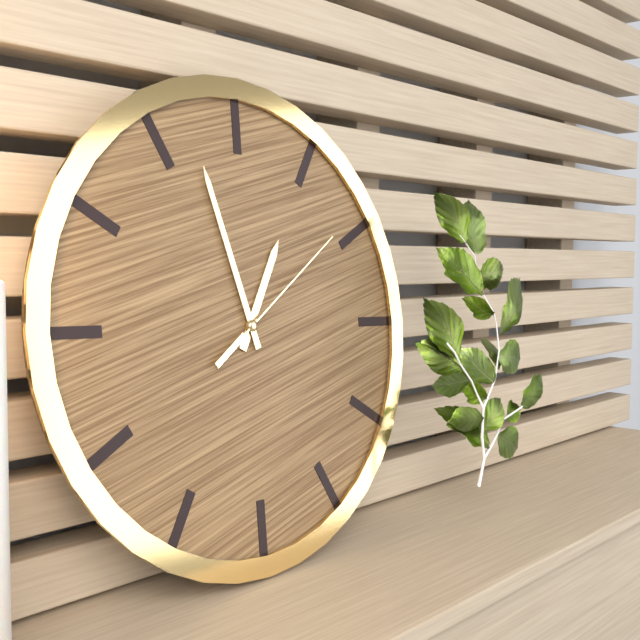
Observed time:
12:57:09
